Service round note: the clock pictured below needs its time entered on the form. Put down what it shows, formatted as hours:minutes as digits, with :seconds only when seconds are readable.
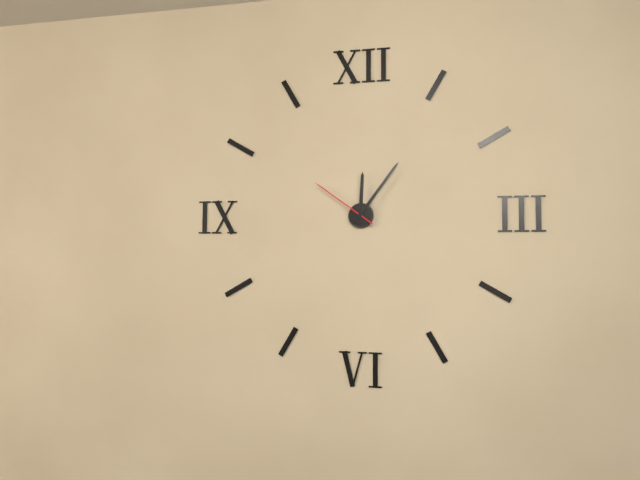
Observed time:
12:06:51
